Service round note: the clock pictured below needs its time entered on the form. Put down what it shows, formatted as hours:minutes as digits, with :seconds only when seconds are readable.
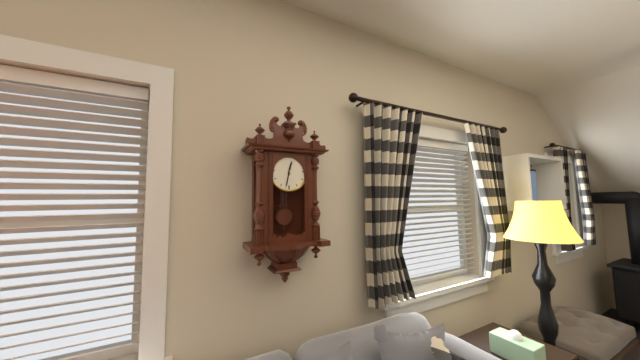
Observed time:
12:32
